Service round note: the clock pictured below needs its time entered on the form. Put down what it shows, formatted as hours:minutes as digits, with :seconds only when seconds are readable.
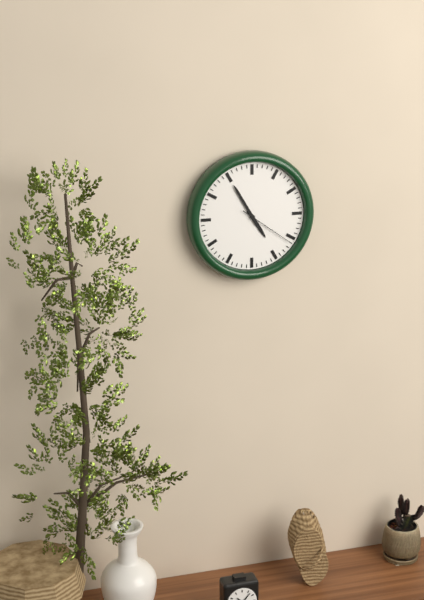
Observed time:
4:55:21
